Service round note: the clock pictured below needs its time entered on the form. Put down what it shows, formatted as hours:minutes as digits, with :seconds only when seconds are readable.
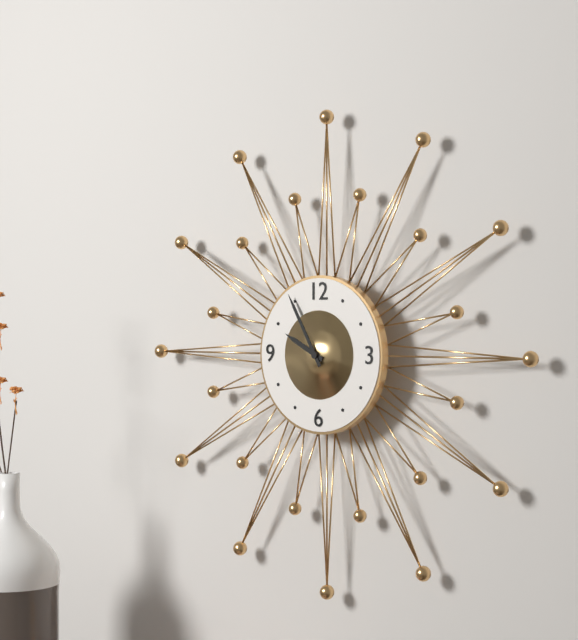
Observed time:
9:55
